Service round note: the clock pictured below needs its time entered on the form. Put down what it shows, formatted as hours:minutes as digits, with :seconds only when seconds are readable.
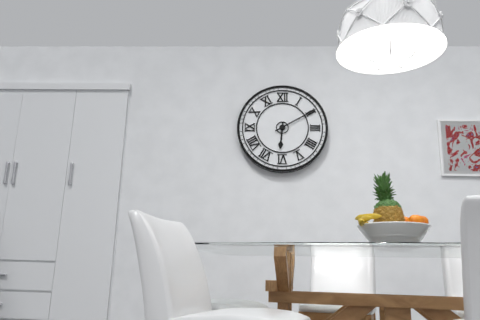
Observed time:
6:10
